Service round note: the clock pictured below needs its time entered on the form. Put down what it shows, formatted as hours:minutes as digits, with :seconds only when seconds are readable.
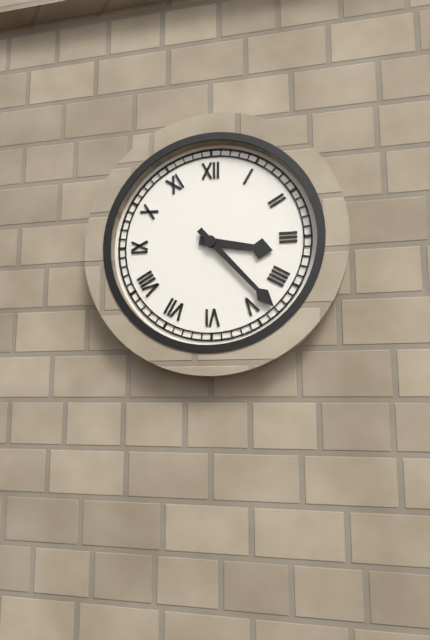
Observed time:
3:23
